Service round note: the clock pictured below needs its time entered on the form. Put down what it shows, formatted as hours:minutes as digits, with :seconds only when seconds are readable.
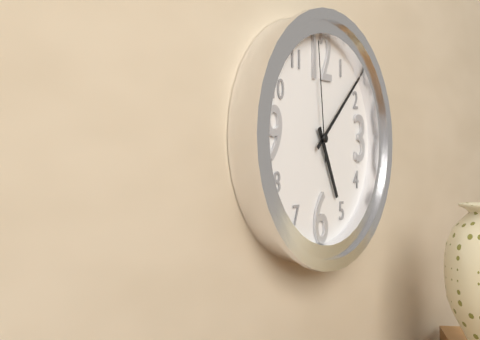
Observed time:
5:08:59
